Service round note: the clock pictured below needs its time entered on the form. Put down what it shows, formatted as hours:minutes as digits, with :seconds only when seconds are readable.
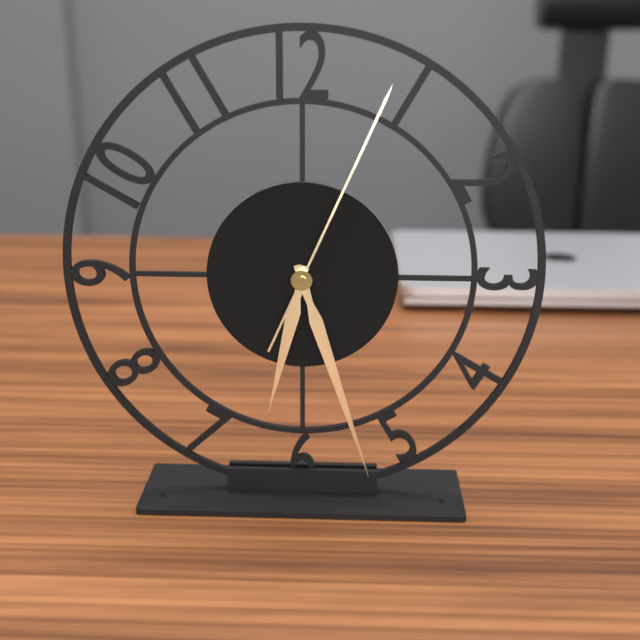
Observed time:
6:27:04
